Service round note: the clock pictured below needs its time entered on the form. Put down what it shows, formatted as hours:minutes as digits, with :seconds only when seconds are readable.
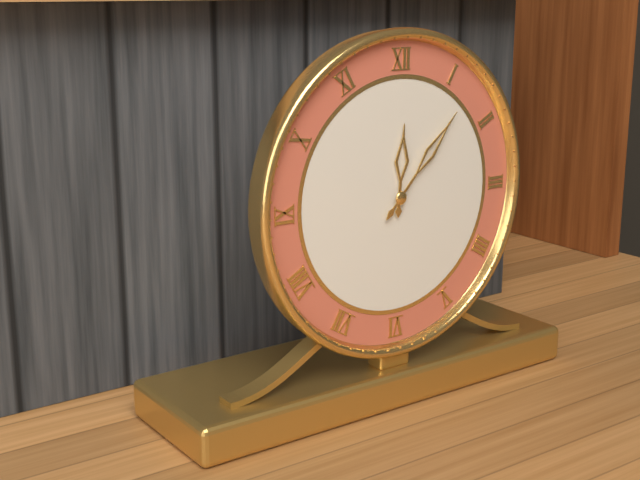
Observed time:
12:07
